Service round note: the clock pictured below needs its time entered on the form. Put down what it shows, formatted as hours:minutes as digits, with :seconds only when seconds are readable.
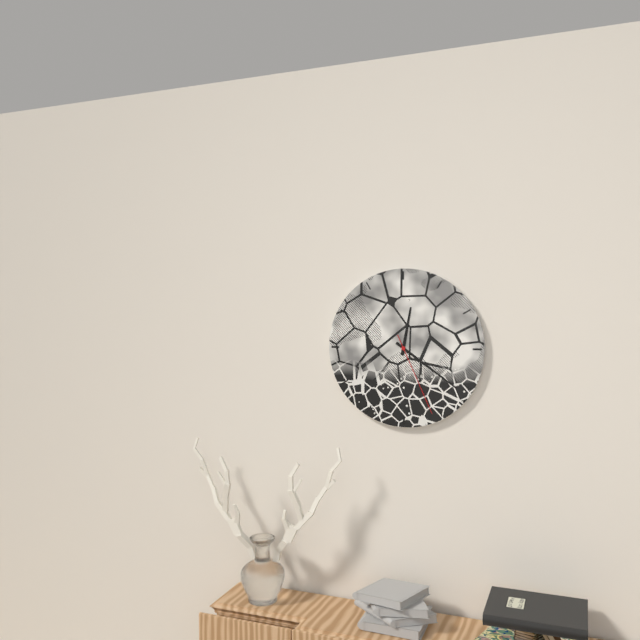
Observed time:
12:21:26
